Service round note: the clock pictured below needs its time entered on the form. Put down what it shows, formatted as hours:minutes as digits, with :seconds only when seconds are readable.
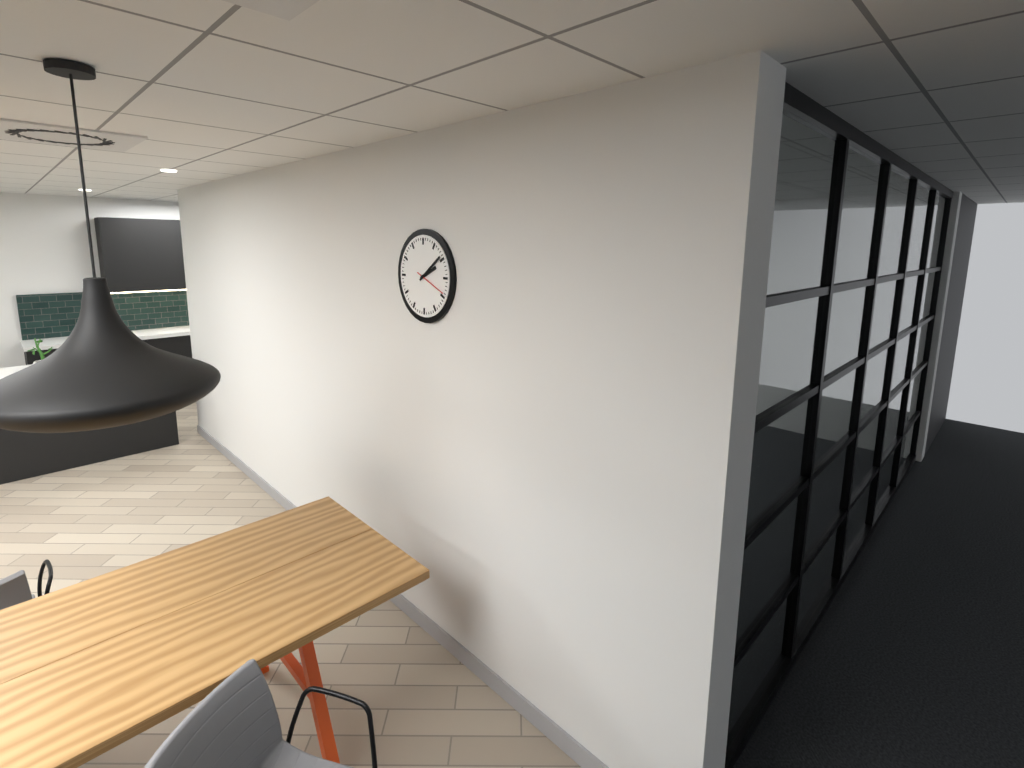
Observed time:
2:09
